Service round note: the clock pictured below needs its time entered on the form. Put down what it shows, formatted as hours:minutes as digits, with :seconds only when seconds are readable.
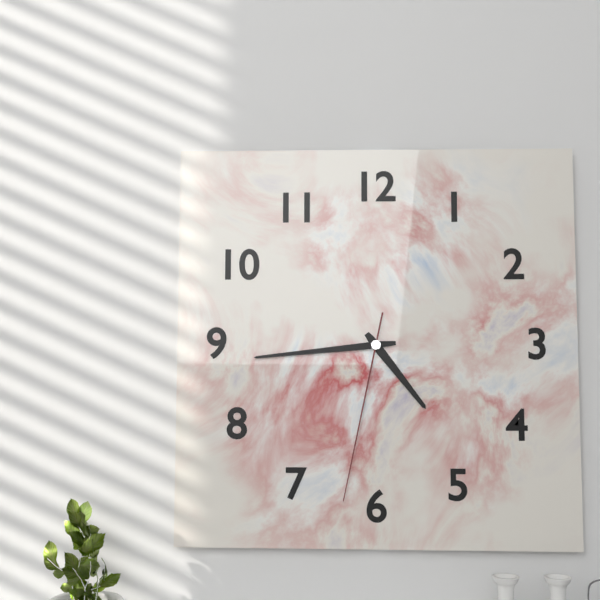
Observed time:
4:44:32
